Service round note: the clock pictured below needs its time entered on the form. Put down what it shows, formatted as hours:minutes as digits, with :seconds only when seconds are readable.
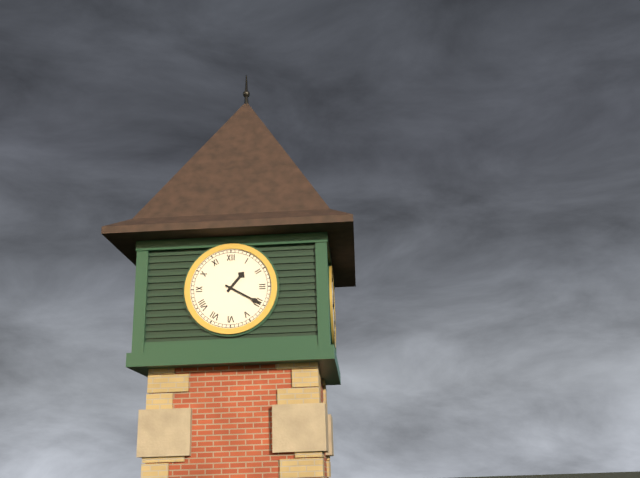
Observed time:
1:20
